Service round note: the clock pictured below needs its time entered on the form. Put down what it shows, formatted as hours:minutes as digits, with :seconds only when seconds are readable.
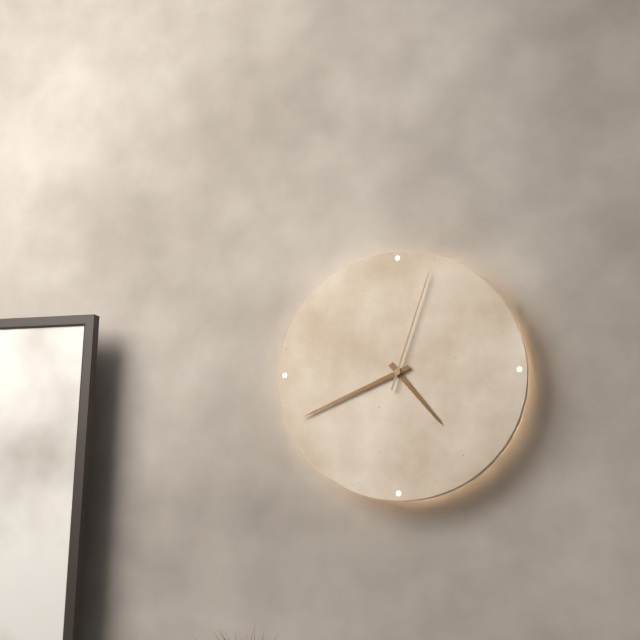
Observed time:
4:41:03
